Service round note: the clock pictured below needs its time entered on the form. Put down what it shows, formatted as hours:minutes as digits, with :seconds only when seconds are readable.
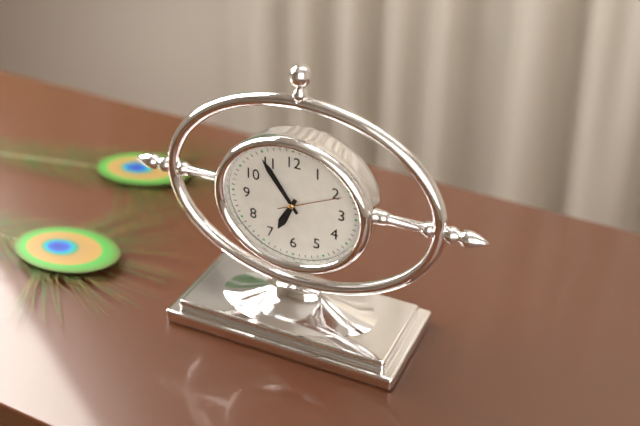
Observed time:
6:54:11
